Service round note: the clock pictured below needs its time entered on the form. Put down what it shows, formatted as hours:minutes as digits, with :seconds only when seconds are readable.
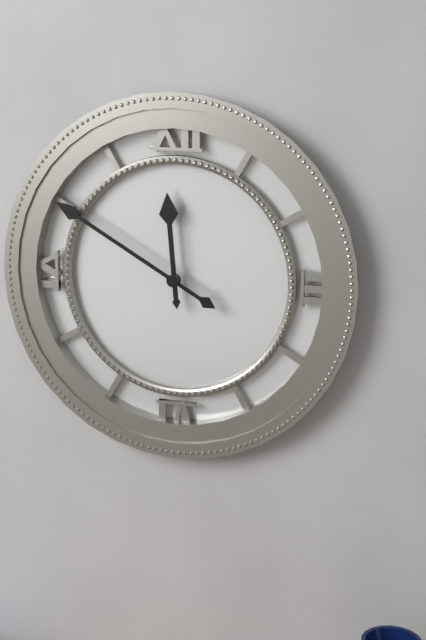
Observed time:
11:50
